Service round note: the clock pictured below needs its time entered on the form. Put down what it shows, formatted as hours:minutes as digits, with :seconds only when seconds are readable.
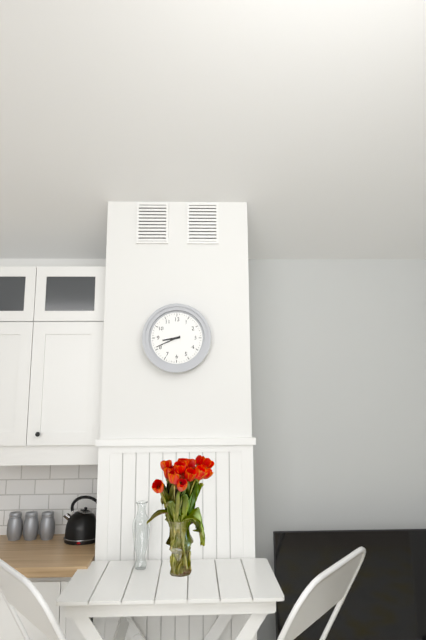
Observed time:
8:41
